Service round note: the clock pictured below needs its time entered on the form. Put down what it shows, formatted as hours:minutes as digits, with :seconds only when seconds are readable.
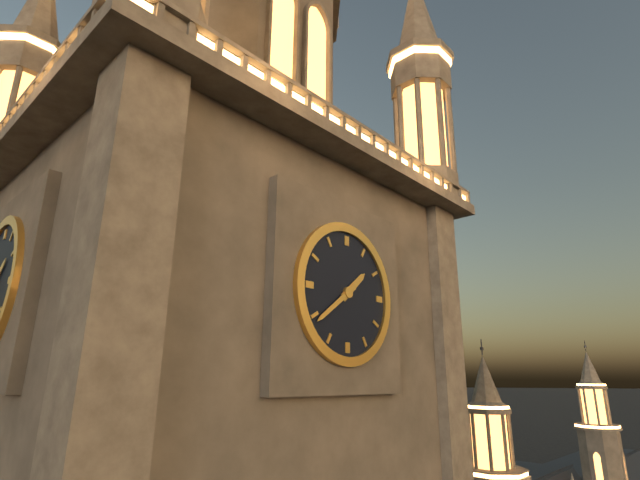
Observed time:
1:39
